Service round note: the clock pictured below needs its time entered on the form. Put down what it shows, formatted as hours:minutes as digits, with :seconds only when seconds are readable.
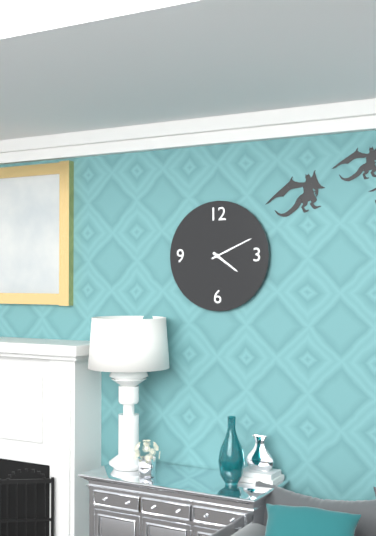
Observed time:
4:11
